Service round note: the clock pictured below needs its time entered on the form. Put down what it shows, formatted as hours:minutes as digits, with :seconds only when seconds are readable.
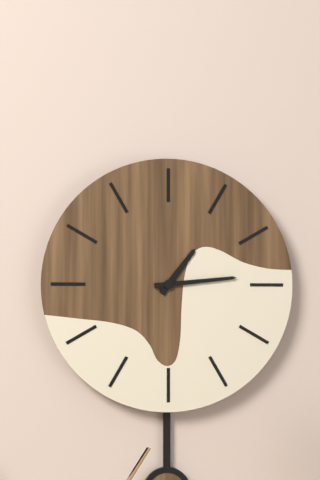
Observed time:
1:14
